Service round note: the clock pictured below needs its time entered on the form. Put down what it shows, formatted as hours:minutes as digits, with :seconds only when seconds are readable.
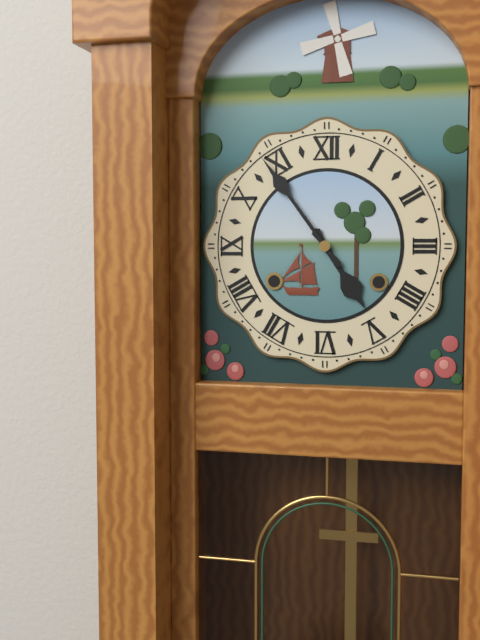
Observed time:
4:54
